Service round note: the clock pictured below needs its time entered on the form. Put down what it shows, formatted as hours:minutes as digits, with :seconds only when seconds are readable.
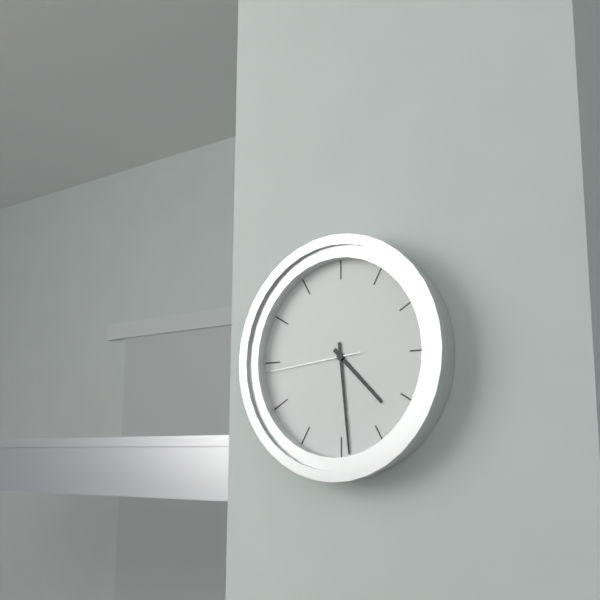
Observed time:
4:29:44
